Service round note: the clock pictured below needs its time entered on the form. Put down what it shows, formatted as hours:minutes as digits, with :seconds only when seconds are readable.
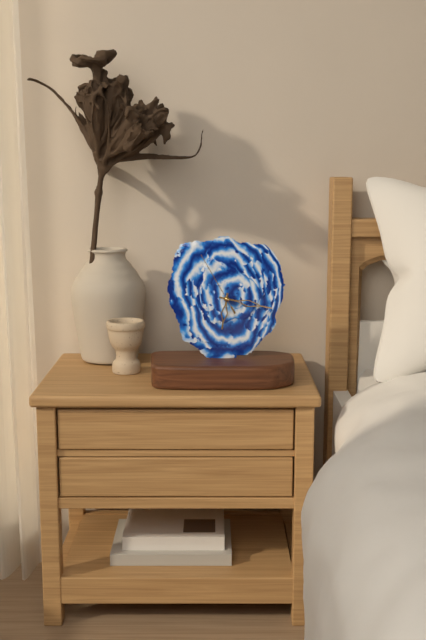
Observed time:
6:17:55
